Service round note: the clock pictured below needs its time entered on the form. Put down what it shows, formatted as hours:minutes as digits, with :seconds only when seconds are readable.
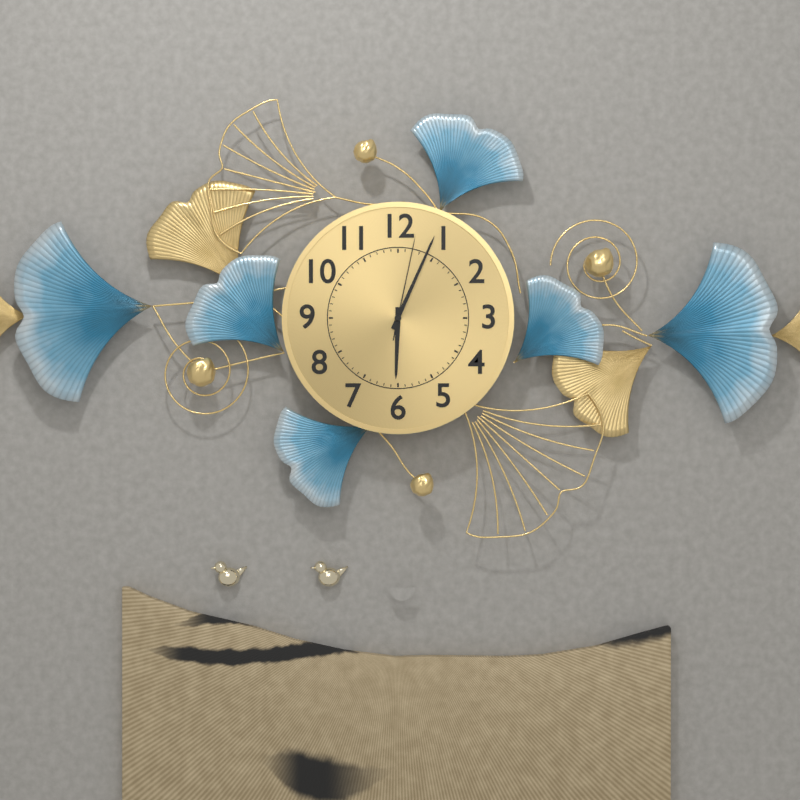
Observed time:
6:04:02
